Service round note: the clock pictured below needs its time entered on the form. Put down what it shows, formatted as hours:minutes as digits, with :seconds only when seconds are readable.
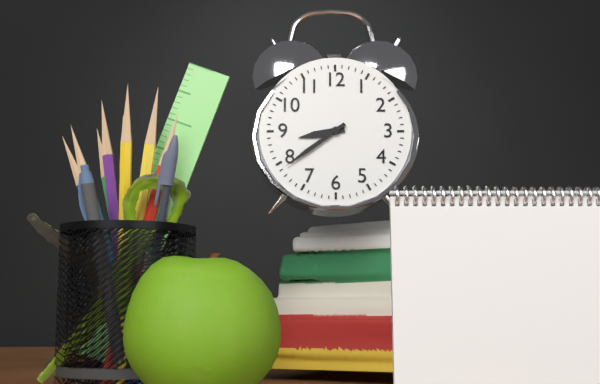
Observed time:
8:39
